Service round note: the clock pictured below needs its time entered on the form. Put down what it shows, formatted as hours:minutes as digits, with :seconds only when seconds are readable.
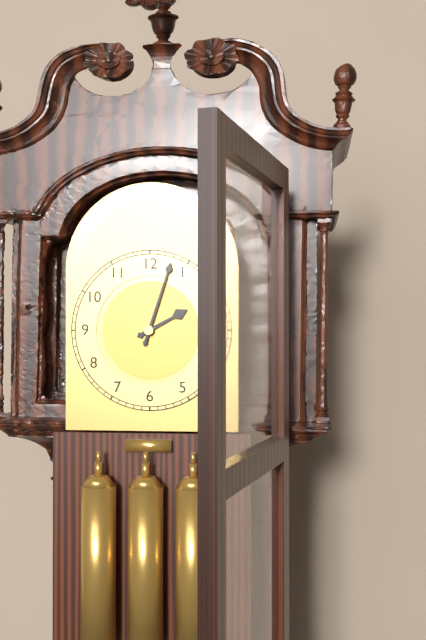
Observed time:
2:03
